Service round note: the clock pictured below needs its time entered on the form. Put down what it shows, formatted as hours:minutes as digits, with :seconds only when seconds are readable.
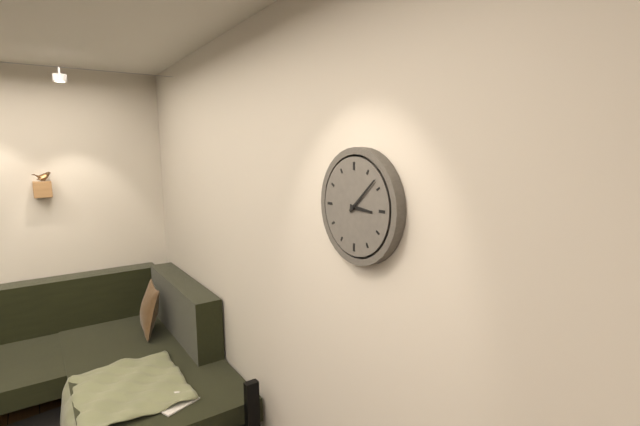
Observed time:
3:08
